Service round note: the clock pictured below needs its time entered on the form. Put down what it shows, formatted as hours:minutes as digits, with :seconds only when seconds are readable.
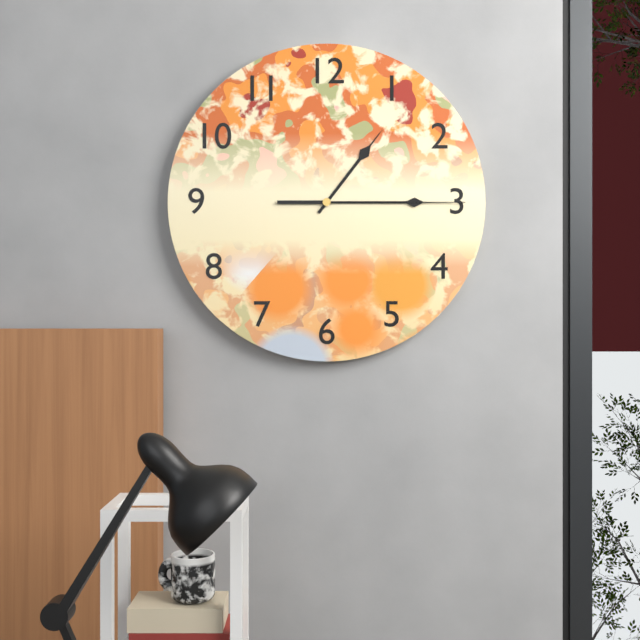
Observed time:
1:15:15
